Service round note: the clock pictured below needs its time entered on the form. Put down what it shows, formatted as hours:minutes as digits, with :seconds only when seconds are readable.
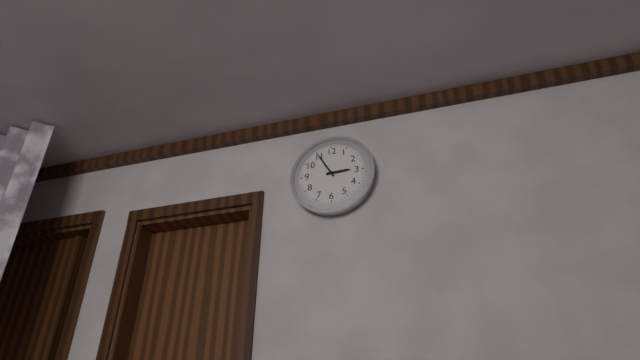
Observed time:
2:55
